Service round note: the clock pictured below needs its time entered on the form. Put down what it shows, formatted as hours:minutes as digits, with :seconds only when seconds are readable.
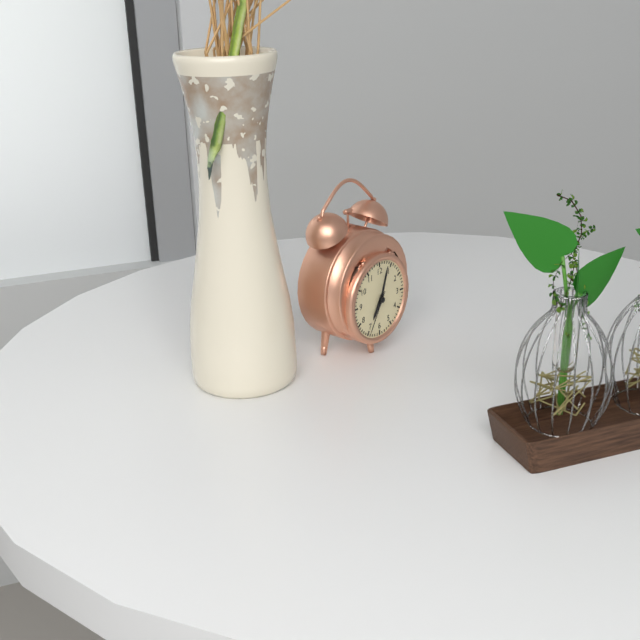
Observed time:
7:03
